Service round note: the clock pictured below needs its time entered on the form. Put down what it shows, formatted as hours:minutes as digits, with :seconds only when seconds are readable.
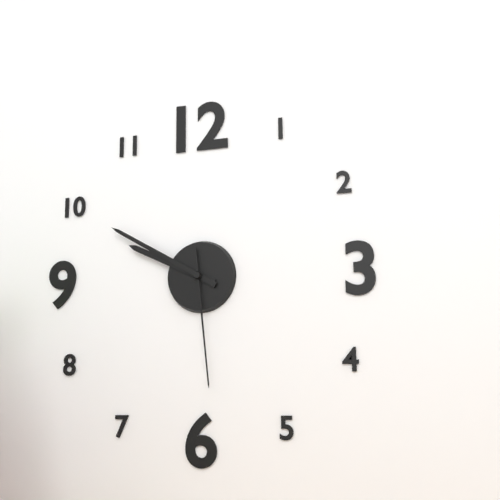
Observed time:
9:50:29
